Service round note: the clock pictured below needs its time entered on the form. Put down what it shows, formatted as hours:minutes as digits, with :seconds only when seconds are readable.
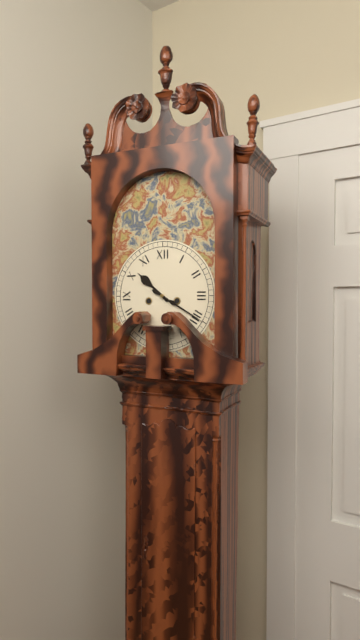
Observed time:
10:20
